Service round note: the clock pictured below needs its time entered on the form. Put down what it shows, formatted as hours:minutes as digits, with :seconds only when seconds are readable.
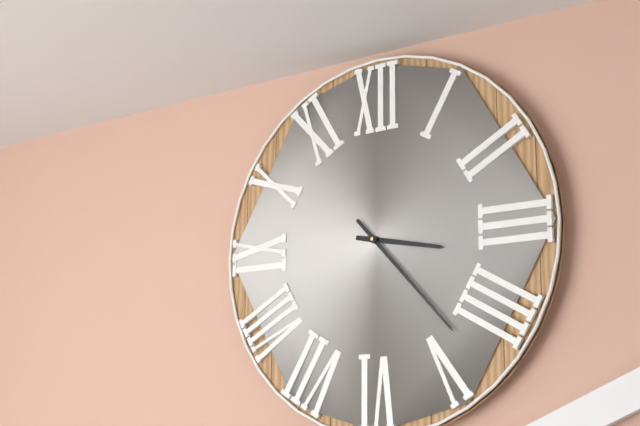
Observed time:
3:23
